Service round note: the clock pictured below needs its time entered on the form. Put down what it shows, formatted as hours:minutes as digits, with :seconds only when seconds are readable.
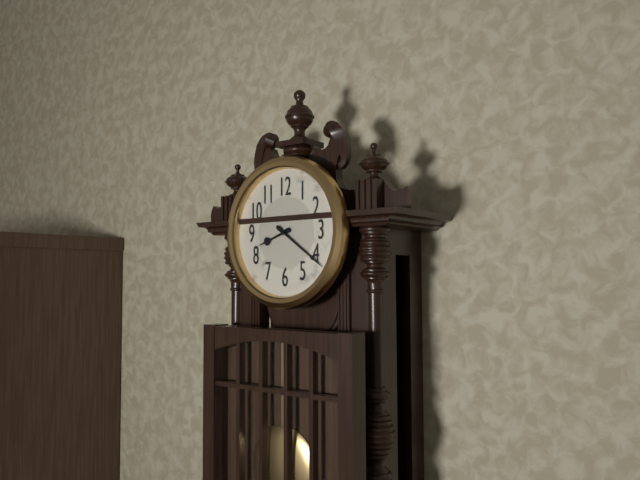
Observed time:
8:21
